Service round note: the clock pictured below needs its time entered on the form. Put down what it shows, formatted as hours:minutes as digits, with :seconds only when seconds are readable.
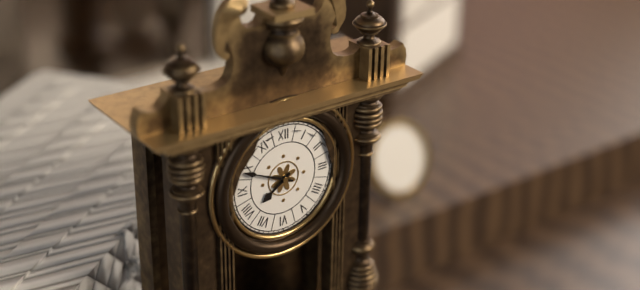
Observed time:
7:49
